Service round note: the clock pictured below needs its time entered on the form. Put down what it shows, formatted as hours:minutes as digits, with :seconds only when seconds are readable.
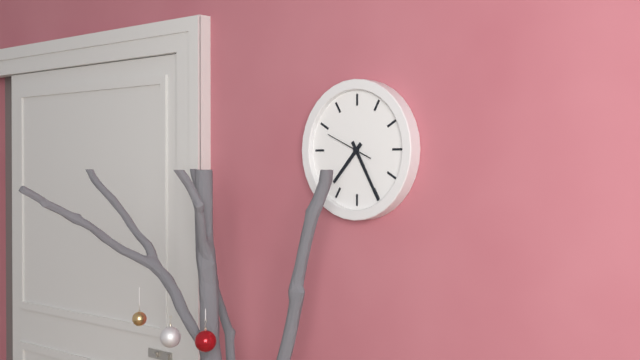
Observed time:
7:25
